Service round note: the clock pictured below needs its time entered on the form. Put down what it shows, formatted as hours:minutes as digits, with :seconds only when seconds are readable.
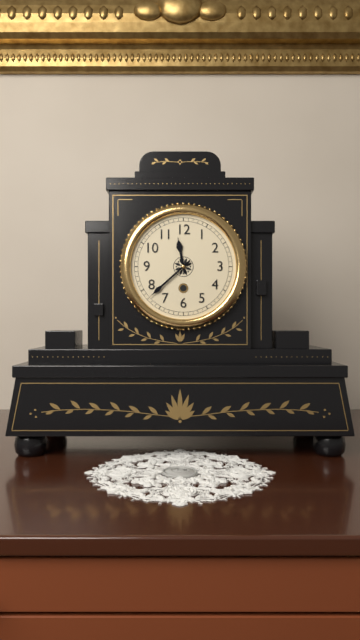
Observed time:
11:38
